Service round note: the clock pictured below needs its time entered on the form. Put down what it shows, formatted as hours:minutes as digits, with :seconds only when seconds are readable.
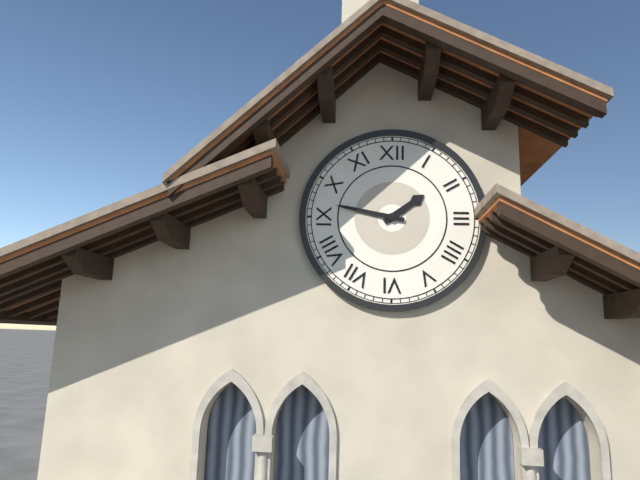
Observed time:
1:47
